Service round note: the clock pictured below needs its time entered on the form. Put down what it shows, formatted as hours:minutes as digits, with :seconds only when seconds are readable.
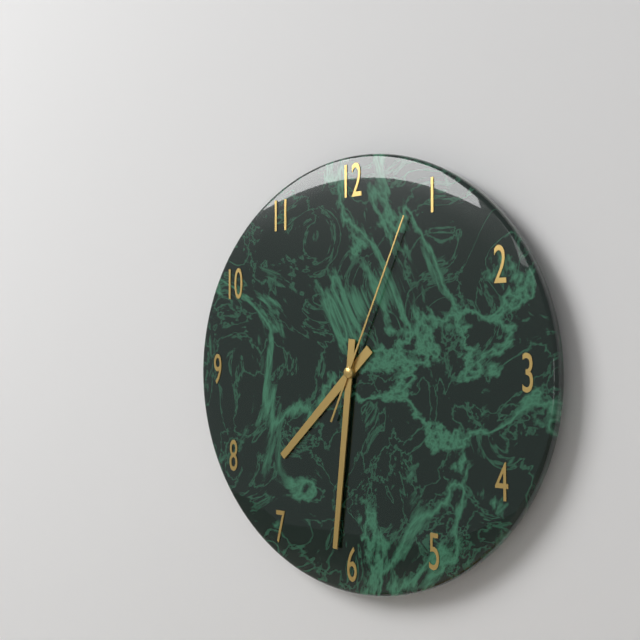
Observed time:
7:31:04
